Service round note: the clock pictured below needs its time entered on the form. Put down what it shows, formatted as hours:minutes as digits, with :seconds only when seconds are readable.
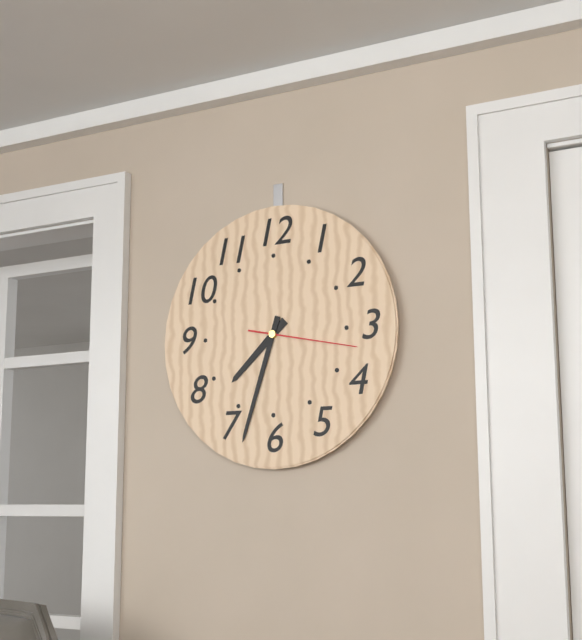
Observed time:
7:33:17
